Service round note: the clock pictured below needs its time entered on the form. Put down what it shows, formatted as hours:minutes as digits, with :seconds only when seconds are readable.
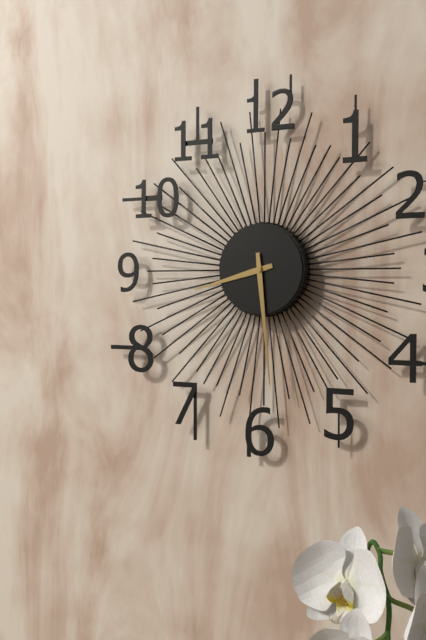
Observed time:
8:29
